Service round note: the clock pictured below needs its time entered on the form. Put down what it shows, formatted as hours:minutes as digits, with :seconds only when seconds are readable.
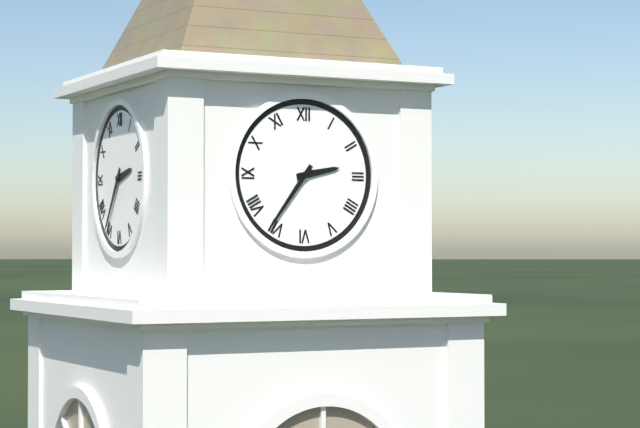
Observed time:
2:36
